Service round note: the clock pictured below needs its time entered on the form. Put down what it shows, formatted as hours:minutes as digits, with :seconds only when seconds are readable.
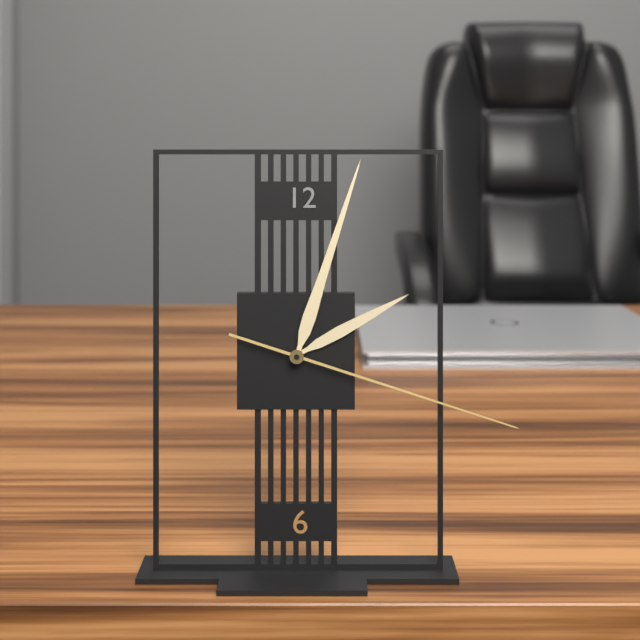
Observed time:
2:03:18
